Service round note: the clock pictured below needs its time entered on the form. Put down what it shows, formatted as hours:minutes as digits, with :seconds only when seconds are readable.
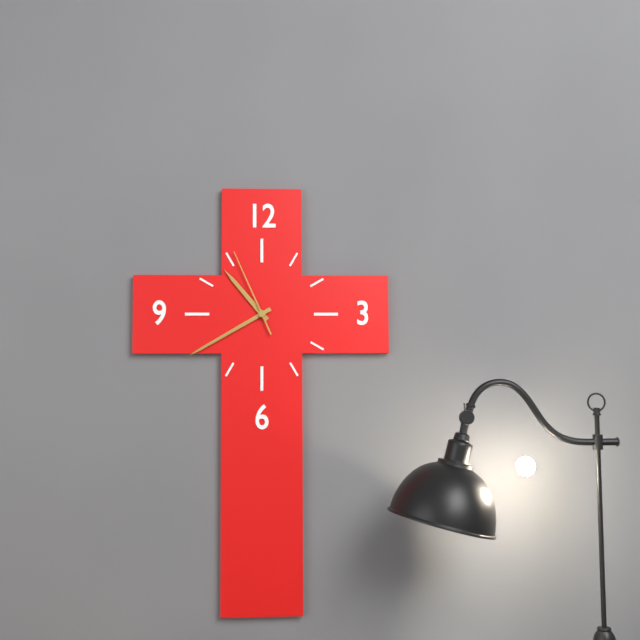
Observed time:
10:40:56
